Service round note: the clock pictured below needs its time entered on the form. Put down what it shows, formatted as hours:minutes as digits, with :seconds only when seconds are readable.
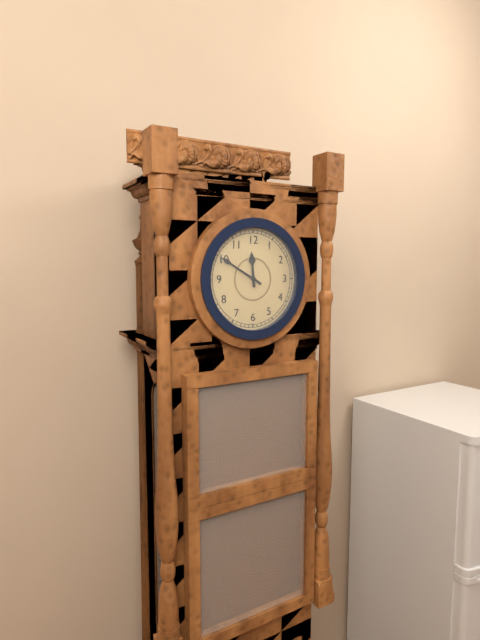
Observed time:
11:50
